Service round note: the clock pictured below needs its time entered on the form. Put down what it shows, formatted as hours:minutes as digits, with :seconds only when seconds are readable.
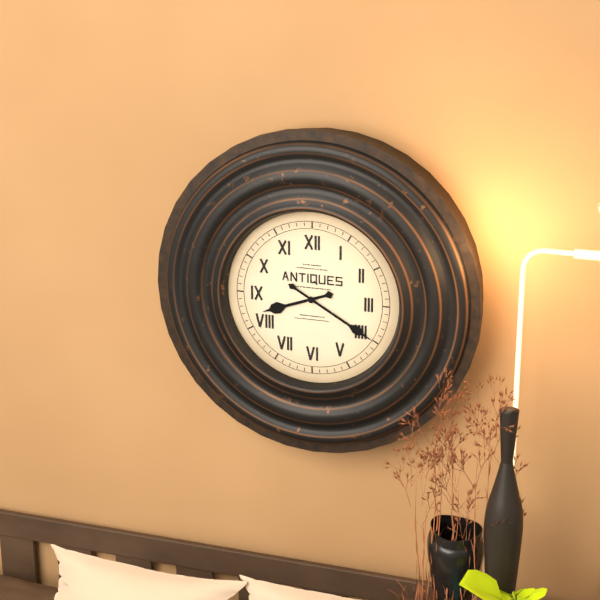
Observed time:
8:20
